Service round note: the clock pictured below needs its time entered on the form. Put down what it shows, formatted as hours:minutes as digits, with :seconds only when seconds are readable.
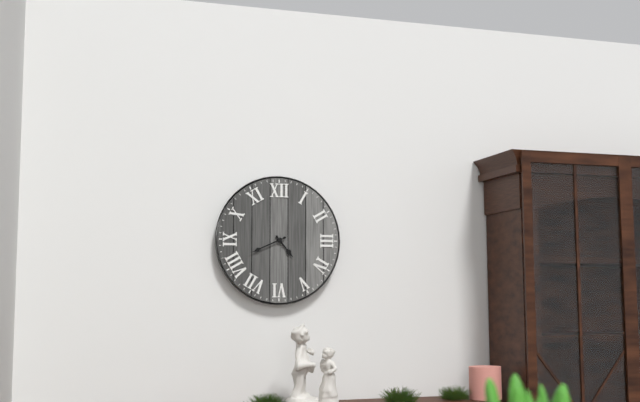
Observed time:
4:41
